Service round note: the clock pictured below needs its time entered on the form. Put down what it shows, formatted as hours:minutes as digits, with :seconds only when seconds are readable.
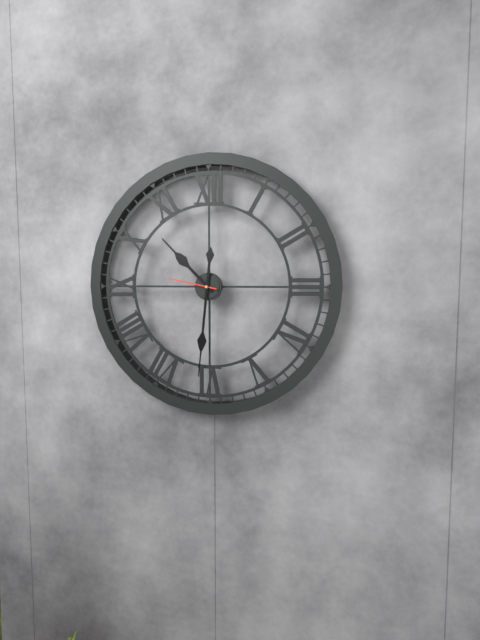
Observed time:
10:31:47
